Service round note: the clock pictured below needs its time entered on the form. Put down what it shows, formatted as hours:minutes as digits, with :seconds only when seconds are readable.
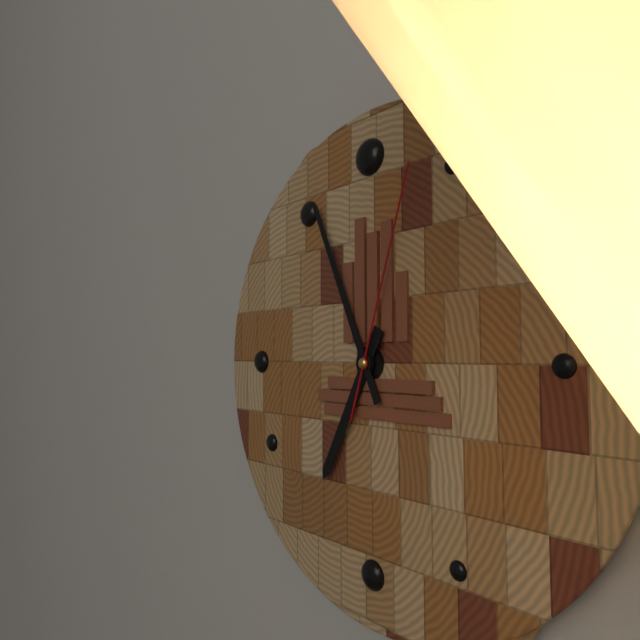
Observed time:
6:56:03
